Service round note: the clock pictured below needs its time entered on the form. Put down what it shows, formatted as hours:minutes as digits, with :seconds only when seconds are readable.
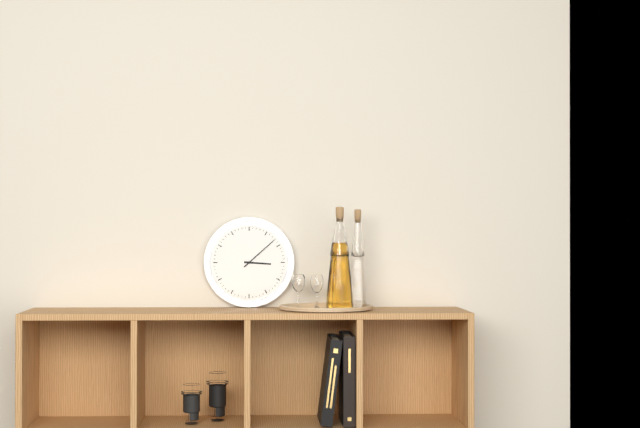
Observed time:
3:08
